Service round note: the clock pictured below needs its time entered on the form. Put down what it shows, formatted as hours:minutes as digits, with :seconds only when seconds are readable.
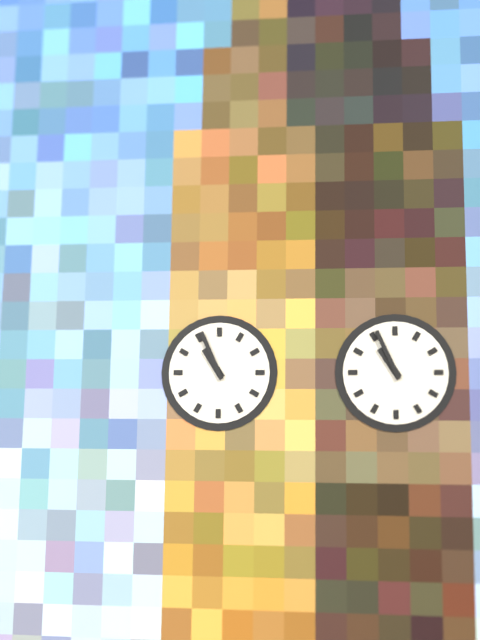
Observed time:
10:56
